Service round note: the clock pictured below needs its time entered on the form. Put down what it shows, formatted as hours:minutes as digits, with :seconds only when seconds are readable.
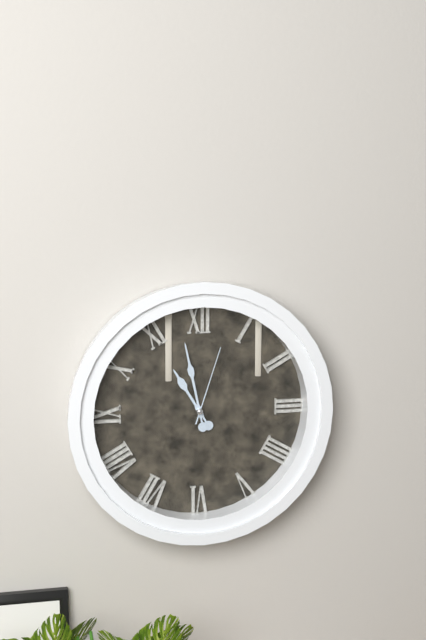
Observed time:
10:58:03
